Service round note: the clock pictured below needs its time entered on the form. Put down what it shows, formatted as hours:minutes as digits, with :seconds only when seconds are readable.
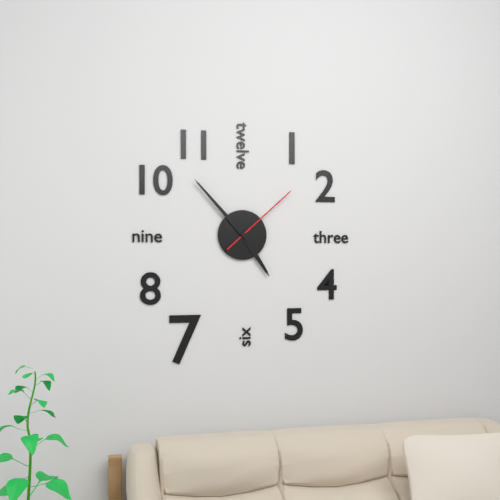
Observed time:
4:53:08
